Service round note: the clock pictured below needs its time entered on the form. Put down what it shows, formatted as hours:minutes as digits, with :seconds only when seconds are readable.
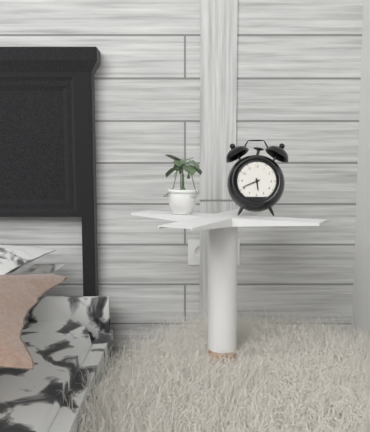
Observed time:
5:41
